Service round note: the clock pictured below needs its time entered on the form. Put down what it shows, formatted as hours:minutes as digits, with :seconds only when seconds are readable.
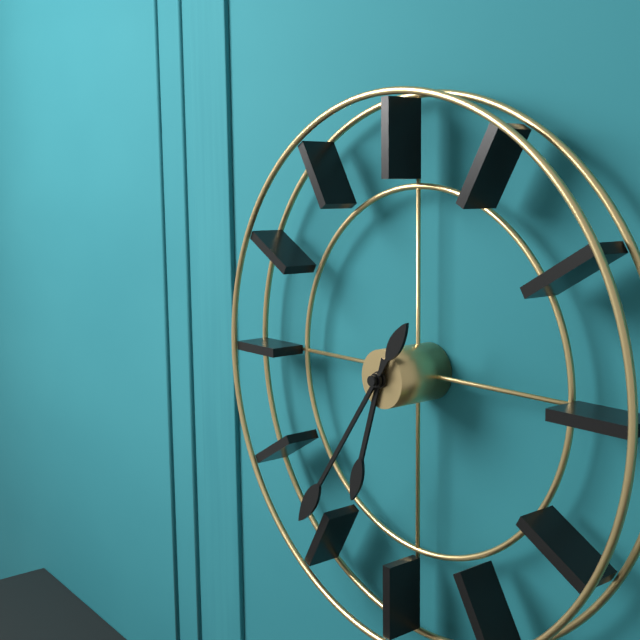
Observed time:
6:36
